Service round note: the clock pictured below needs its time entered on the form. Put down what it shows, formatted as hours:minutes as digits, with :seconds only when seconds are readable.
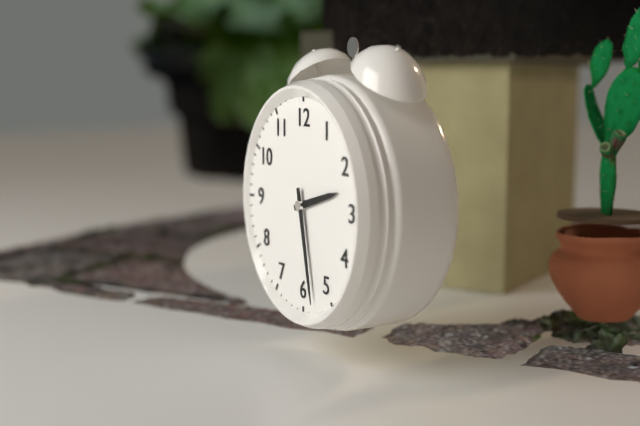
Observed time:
2:28
